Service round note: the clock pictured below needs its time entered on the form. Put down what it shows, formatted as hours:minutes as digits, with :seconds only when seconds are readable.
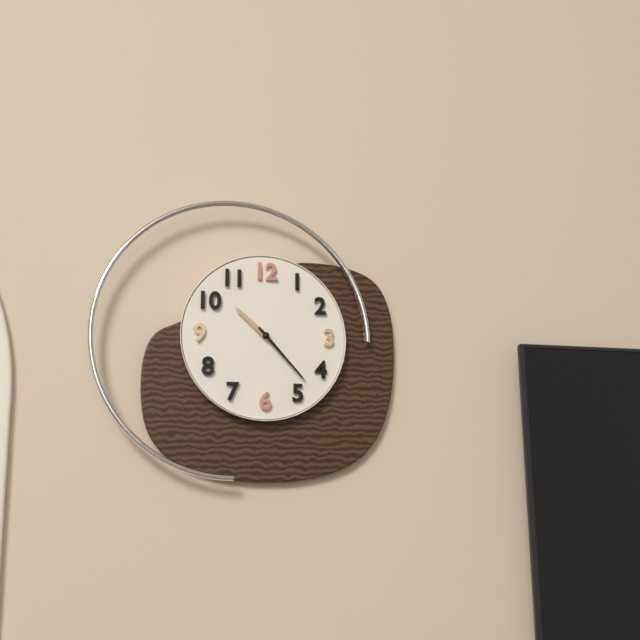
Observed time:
10:23
